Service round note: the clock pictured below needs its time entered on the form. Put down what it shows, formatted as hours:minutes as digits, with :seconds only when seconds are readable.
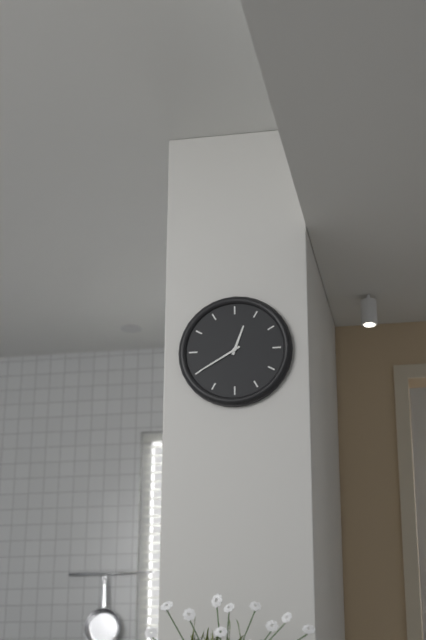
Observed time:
12:40
